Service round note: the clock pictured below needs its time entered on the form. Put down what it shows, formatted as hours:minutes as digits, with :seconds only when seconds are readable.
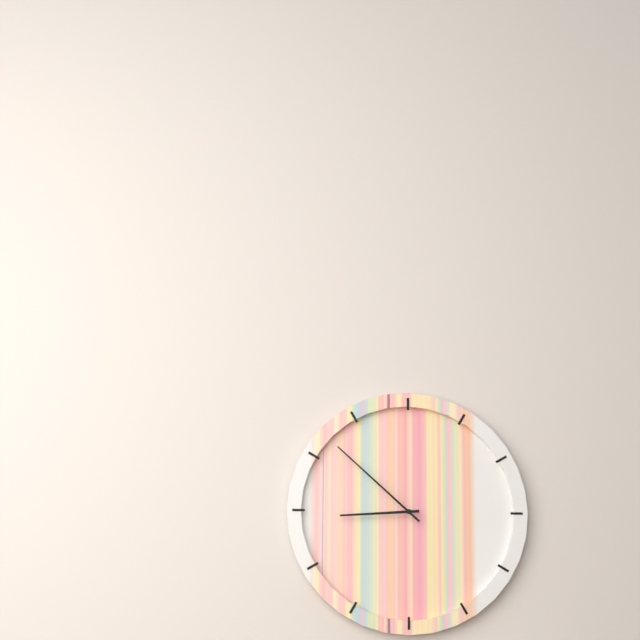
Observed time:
8:52
